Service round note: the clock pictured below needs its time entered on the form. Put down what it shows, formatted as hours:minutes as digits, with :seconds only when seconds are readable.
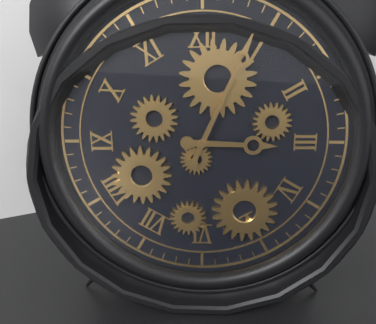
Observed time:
3:04
